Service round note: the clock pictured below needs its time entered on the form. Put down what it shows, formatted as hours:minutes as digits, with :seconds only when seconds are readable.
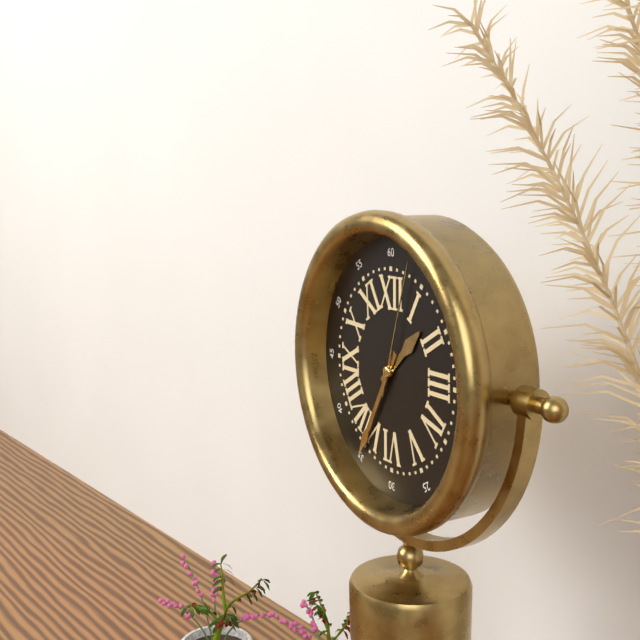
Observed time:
1:35:03
